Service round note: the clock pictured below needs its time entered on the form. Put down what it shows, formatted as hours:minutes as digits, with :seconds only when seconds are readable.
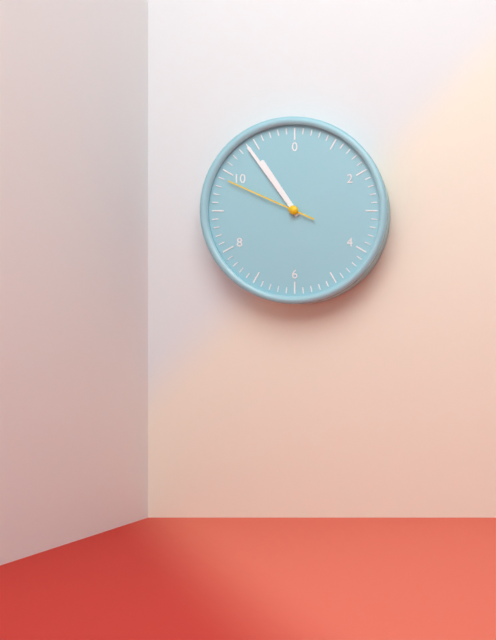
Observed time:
10:54:49
